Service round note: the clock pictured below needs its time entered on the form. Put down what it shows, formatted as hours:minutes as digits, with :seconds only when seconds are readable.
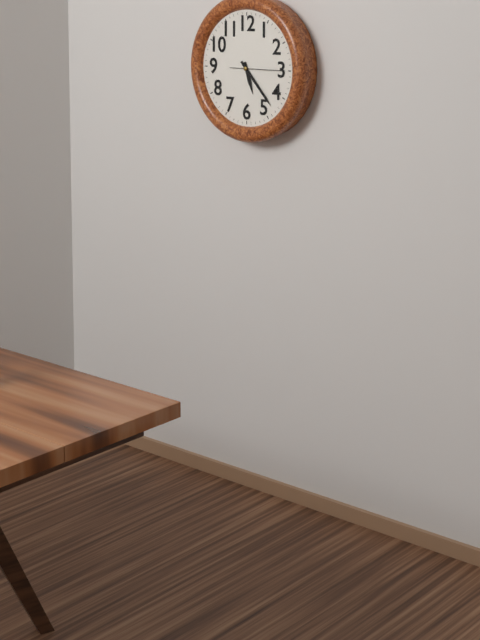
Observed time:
5:23
